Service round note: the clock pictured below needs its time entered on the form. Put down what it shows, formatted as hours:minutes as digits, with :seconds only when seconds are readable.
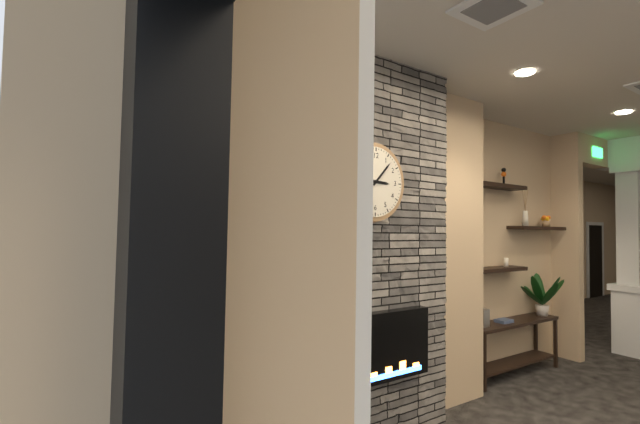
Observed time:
3:07
